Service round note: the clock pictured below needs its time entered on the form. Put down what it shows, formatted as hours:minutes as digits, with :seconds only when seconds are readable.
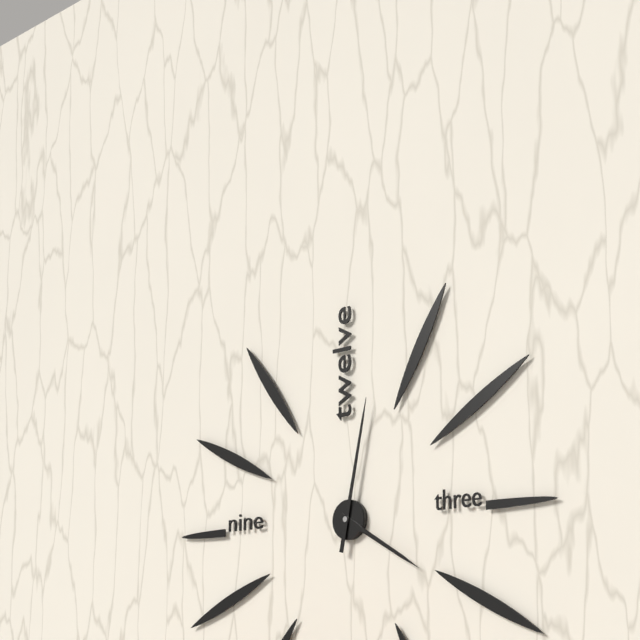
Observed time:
4:02
